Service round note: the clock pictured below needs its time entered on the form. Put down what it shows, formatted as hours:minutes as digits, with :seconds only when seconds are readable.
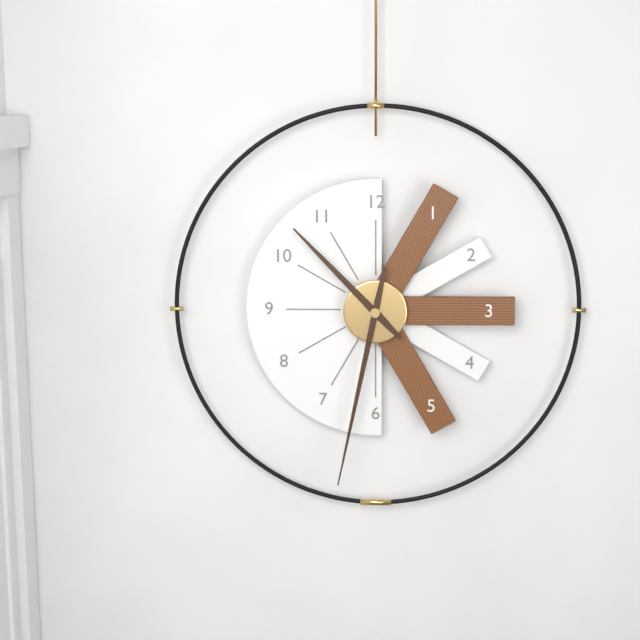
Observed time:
10:32
